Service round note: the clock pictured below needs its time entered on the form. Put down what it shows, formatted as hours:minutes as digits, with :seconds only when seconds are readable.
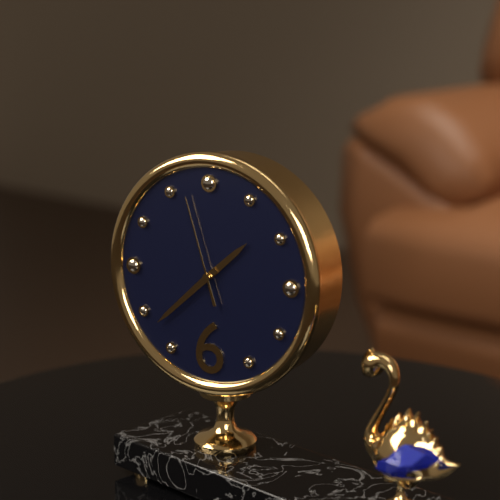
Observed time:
1:38:57
